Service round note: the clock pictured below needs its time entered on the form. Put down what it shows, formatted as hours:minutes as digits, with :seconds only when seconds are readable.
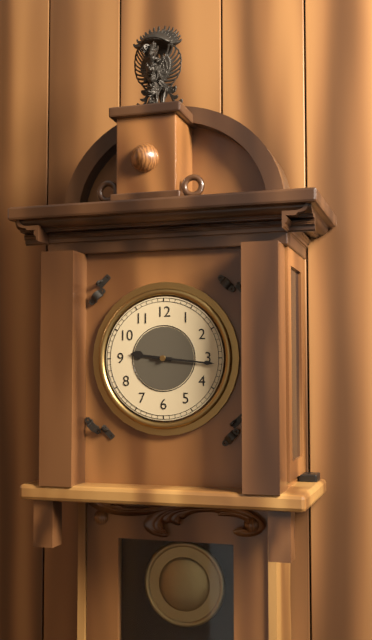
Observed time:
9:16
